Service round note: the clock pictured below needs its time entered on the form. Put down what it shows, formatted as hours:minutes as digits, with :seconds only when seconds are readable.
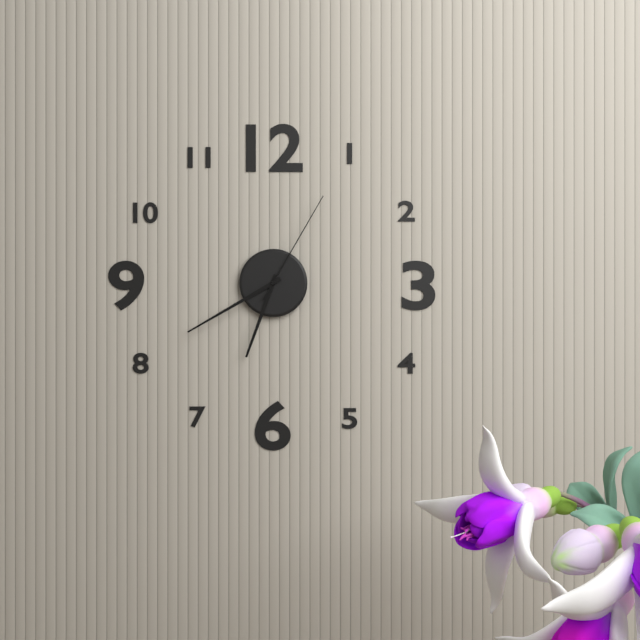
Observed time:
6:40:05
